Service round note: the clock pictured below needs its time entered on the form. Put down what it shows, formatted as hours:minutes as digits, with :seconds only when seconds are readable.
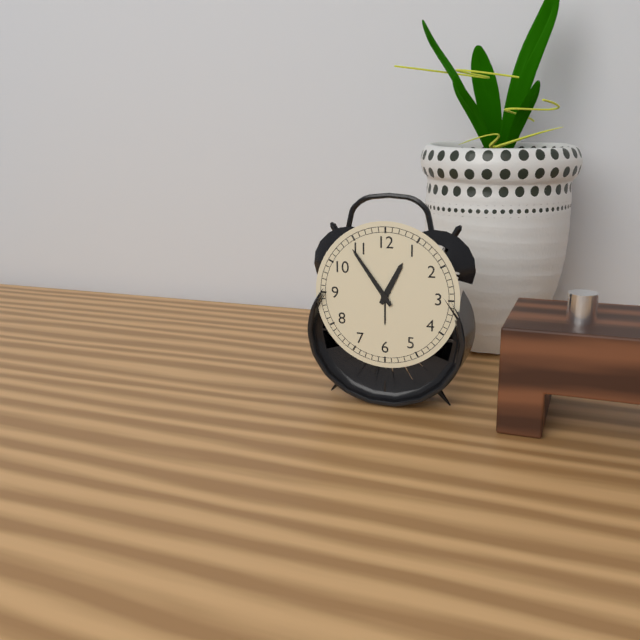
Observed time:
12:54
